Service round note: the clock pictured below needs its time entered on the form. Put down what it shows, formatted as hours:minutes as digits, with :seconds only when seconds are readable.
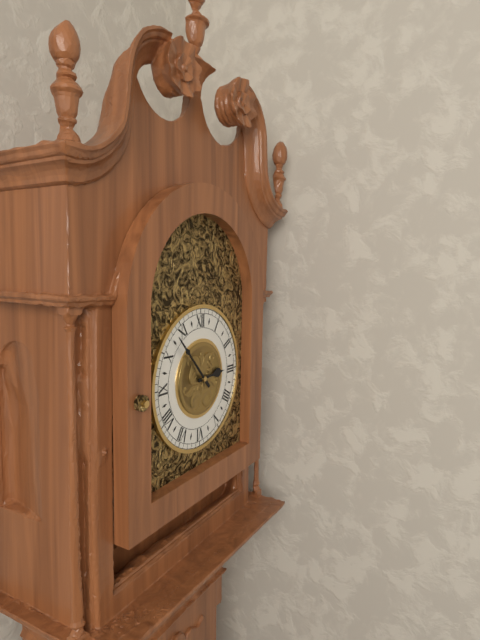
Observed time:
2:53
